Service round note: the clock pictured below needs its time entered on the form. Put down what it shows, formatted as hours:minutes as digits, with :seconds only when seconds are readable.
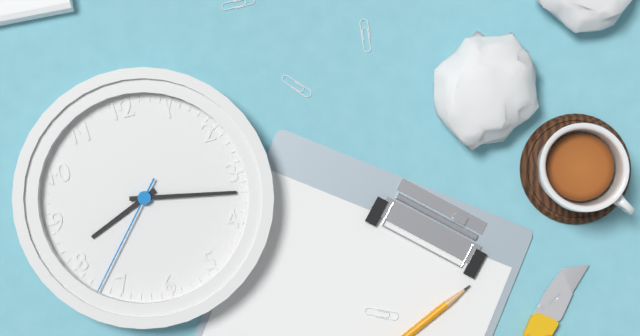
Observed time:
8:17:37
